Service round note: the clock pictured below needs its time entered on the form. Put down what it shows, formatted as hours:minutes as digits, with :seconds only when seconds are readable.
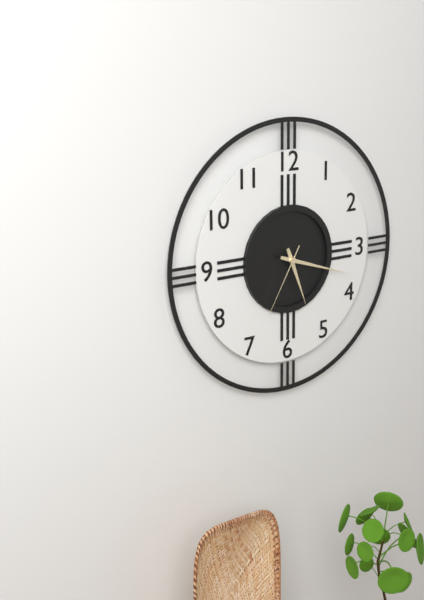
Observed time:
5:18:35
